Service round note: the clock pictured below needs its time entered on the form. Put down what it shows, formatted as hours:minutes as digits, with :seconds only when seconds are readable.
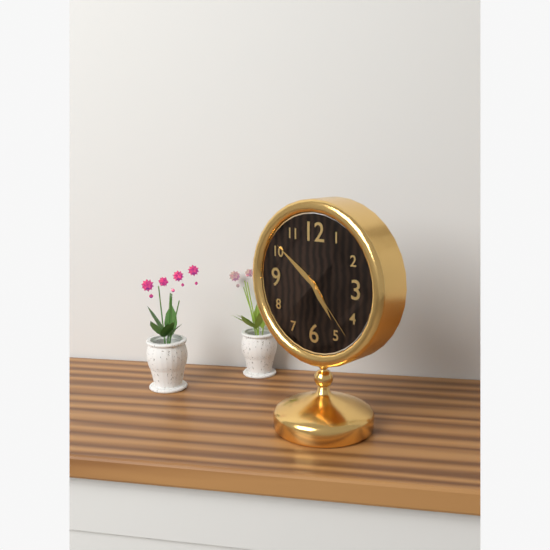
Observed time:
4:51:23
